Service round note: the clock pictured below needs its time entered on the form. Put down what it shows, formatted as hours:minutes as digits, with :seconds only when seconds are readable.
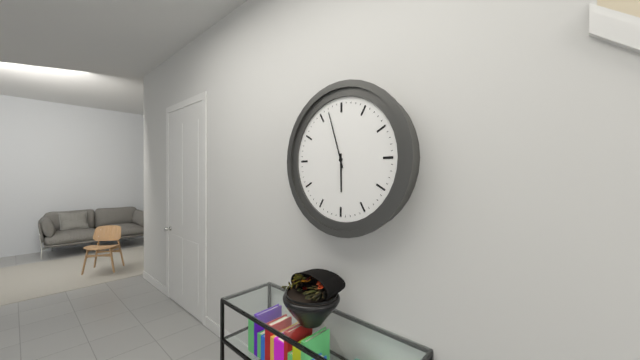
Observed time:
5:57
